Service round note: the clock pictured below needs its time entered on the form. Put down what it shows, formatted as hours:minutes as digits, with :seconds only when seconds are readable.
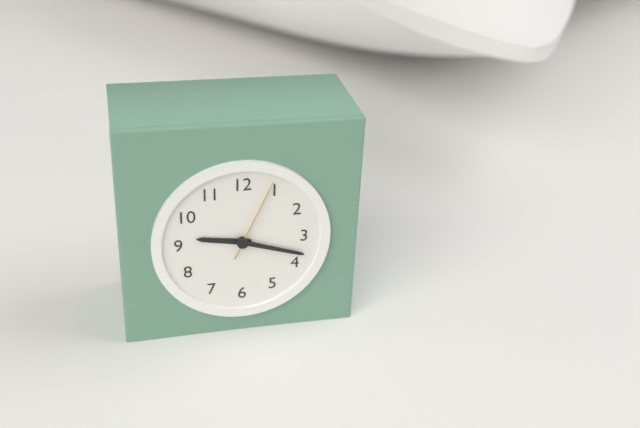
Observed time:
9:18:04
